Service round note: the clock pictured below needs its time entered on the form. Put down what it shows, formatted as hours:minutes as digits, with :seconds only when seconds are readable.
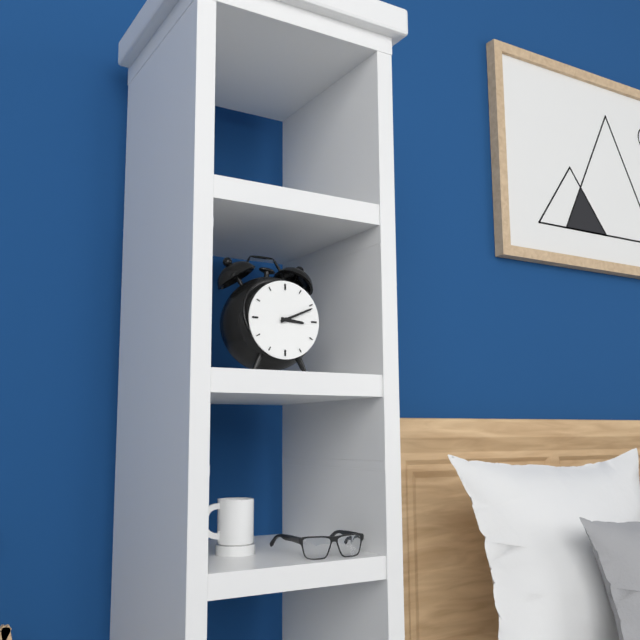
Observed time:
3:11
